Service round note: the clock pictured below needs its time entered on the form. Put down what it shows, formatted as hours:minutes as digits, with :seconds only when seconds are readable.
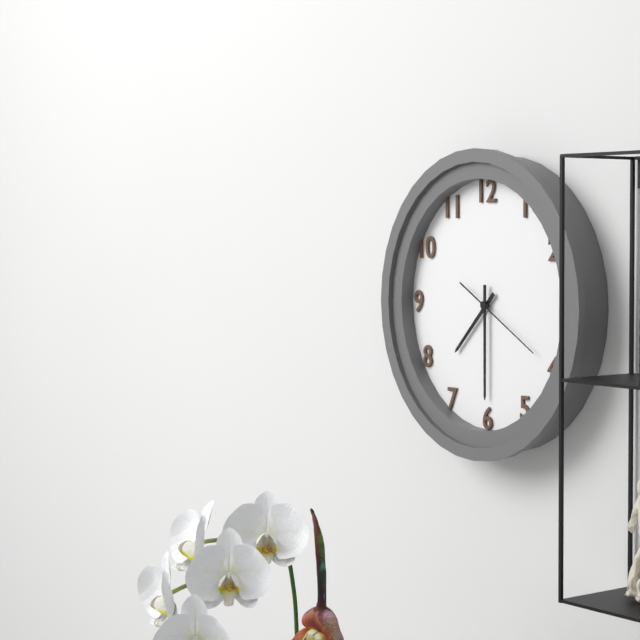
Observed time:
7:30:20
